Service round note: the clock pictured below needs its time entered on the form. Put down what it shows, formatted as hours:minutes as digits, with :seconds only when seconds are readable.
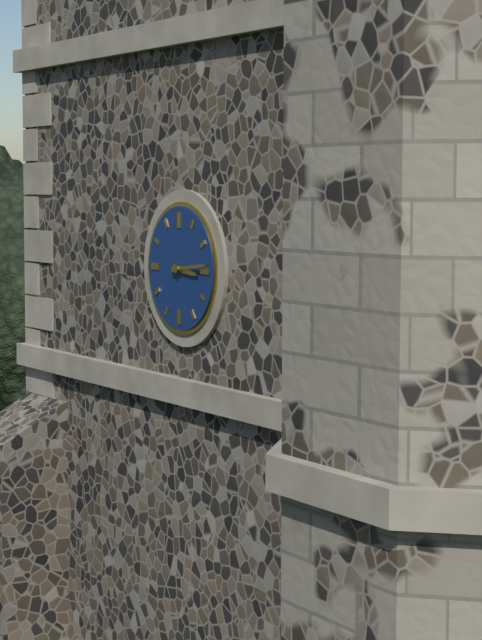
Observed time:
3:14
